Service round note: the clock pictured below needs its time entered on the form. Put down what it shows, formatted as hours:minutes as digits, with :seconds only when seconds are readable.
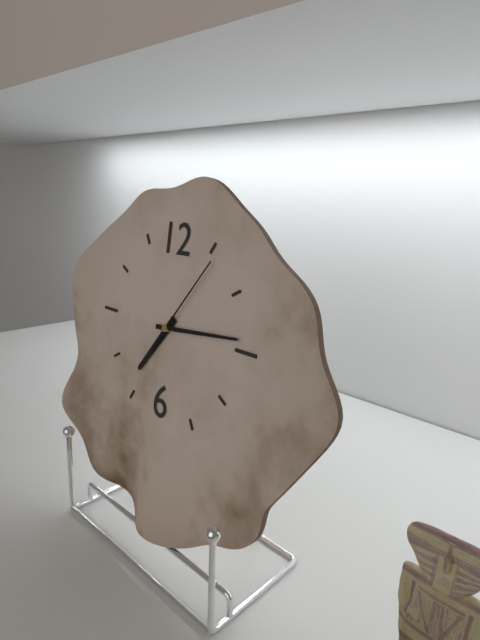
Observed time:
7:14:06
